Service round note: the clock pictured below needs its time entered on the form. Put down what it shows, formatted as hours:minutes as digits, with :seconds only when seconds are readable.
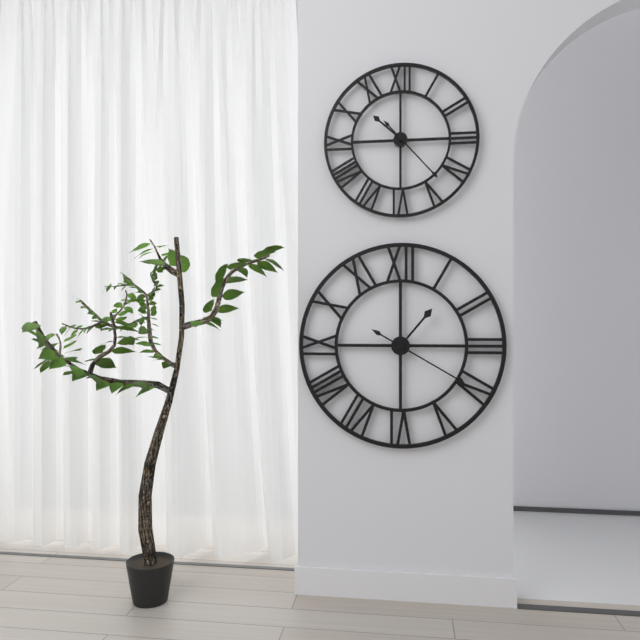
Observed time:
1:20
